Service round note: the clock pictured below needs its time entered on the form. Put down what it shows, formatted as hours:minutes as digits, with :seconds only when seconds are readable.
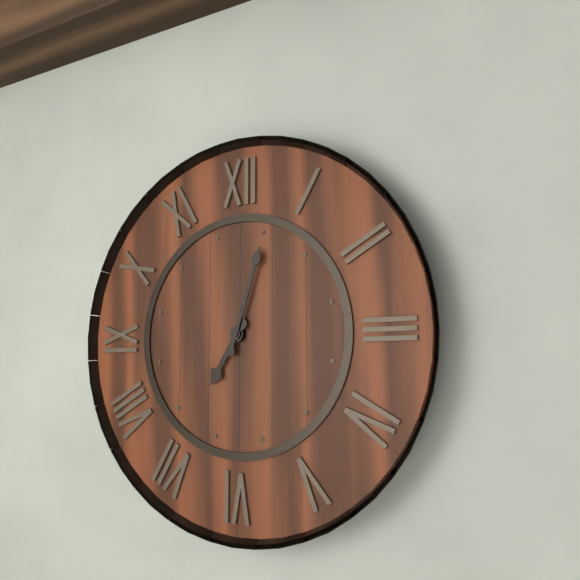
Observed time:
7:03
